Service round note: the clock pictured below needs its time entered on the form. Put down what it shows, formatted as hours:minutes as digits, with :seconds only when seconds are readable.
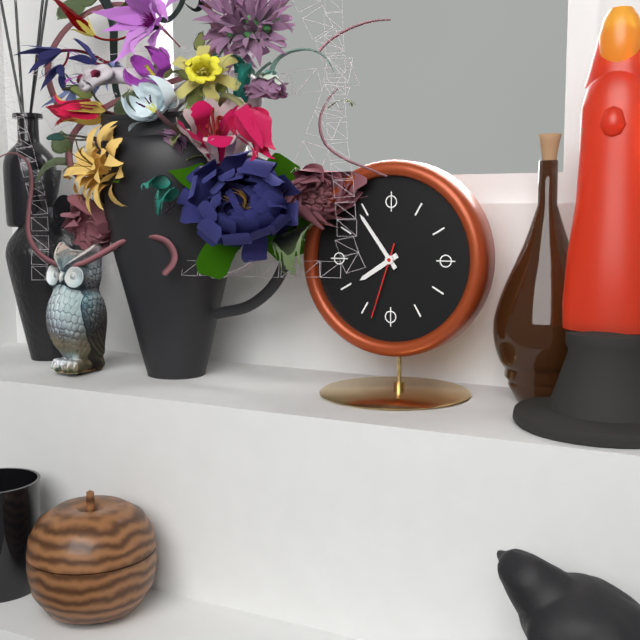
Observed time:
7:54:33
